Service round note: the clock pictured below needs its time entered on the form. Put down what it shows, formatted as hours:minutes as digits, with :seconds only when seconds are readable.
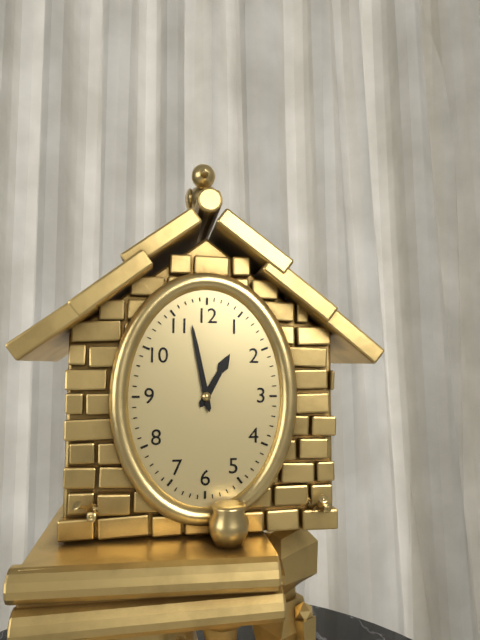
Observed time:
12:58
